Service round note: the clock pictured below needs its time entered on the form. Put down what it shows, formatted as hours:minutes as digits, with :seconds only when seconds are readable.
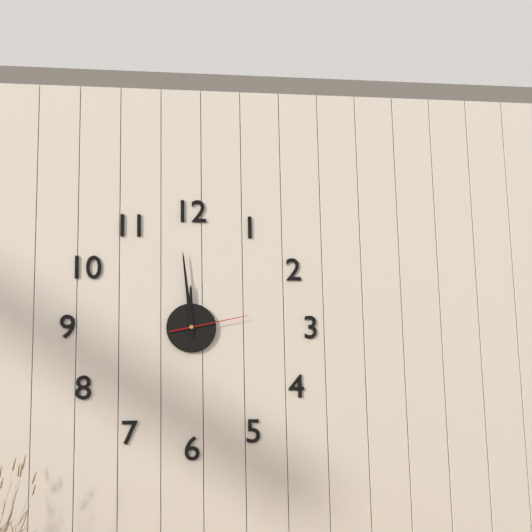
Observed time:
11:59:13
